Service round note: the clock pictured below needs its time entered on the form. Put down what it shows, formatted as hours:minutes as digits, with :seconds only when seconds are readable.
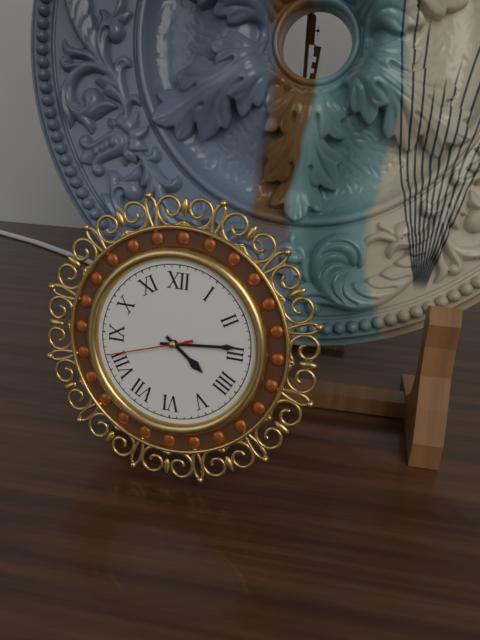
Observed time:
4:14:42
